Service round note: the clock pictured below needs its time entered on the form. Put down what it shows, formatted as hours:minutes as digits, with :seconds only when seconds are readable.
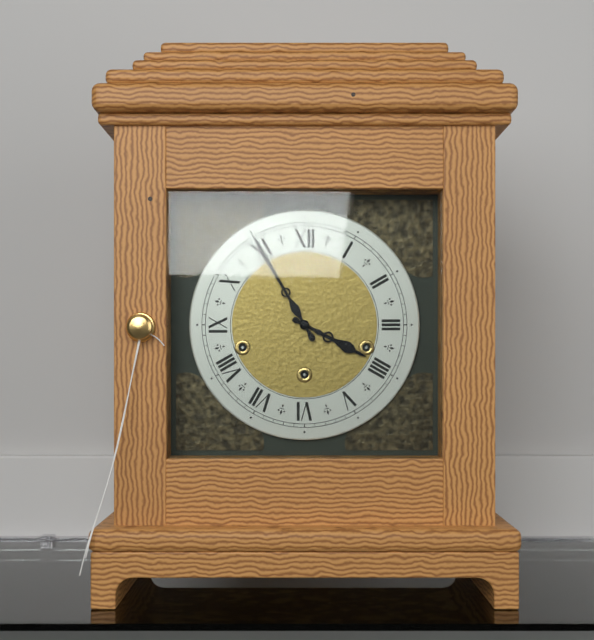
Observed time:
3:55
